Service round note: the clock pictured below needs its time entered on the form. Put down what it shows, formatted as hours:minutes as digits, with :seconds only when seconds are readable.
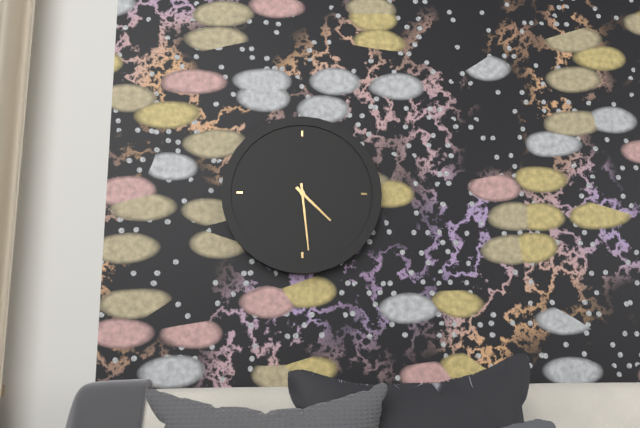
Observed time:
4:29
